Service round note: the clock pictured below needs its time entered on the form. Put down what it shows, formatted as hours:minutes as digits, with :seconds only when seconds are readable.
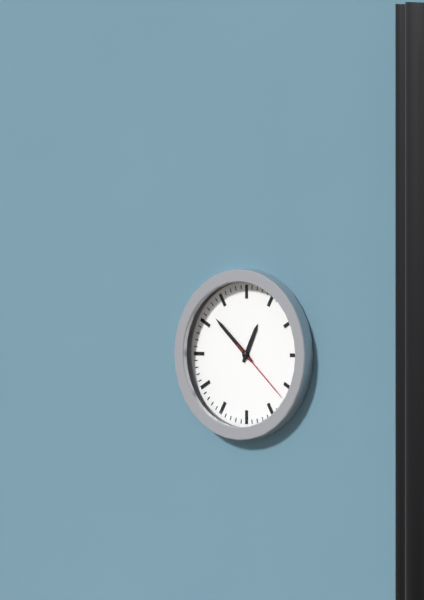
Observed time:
12:52:22
